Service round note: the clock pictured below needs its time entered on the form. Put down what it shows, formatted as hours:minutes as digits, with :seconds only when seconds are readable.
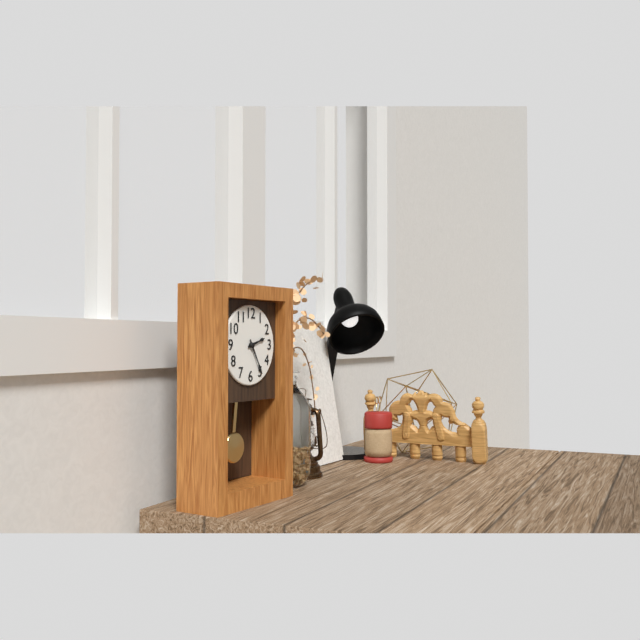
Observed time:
2:25
